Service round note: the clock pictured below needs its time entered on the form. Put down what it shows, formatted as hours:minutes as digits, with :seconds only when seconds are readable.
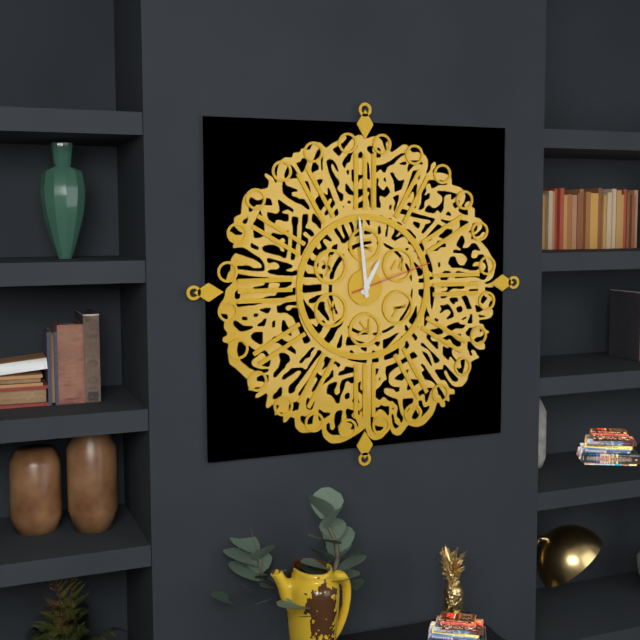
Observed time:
12:59:12
